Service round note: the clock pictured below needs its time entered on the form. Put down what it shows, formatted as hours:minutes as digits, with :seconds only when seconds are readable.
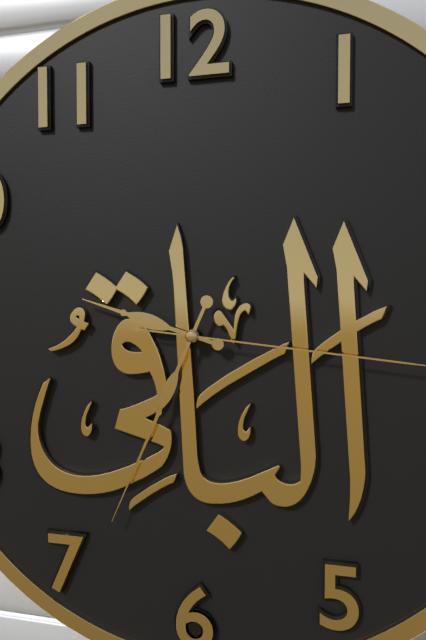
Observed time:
9:34
